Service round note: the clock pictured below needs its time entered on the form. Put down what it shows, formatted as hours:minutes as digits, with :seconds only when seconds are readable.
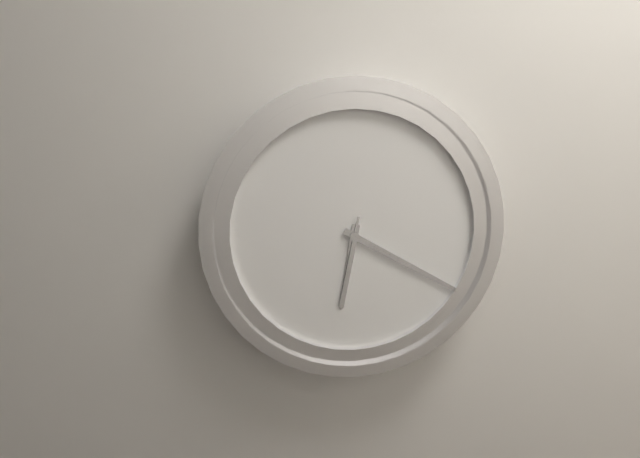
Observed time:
6:20:32
